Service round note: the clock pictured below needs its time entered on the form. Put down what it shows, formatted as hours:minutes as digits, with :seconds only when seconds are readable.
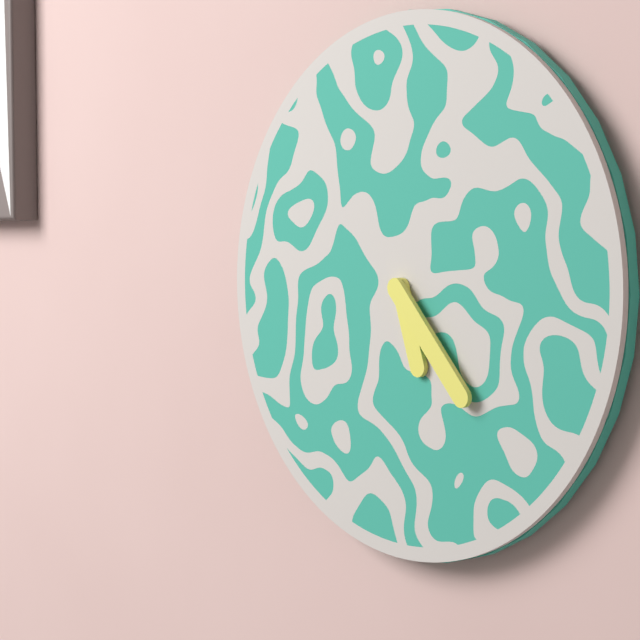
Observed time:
5:23
